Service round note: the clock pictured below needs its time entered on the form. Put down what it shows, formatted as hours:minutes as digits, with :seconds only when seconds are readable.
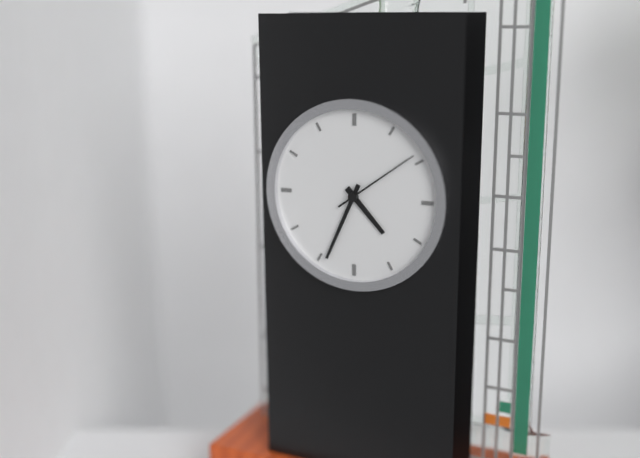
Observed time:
4:34:09
